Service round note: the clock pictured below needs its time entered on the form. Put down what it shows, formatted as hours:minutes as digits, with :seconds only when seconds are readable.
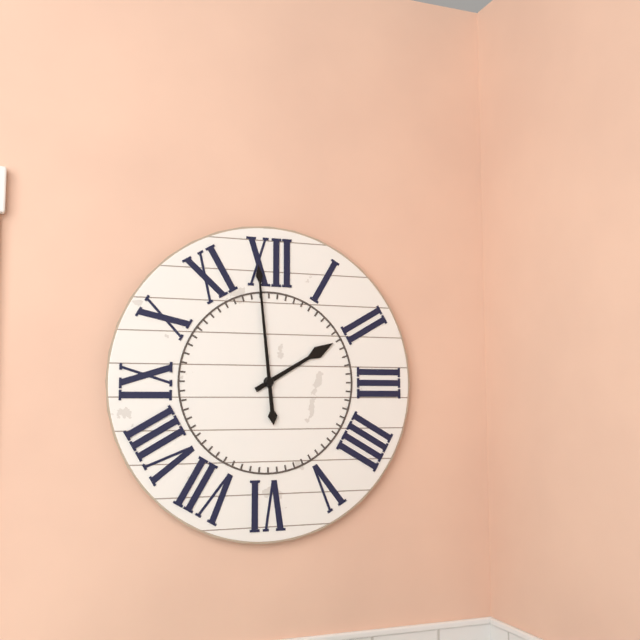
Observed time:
1:59
